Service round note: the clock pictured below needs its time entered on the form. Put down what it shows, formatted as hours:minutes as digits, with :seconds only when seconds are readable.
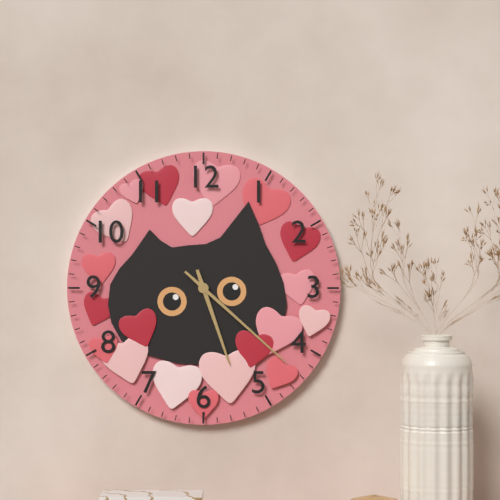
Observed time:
5:22
